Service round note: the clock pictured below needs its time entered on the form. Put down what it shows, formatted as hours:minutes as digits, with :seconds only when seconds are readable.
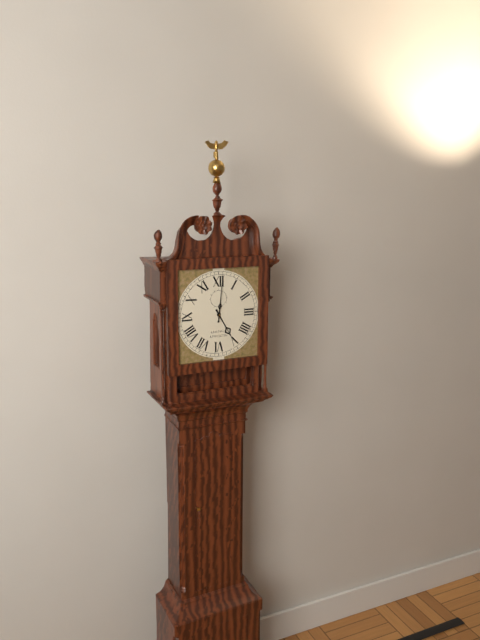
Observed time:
5:01
